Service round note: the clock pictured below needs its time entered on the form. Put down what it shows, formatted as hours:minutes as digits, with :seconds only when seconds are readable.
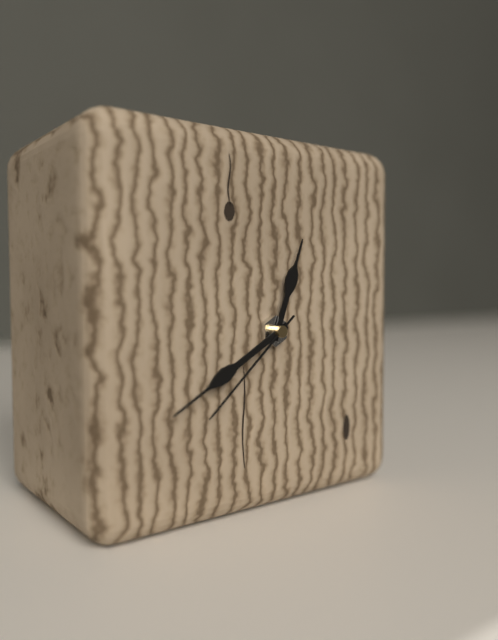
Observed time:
12:40:38
